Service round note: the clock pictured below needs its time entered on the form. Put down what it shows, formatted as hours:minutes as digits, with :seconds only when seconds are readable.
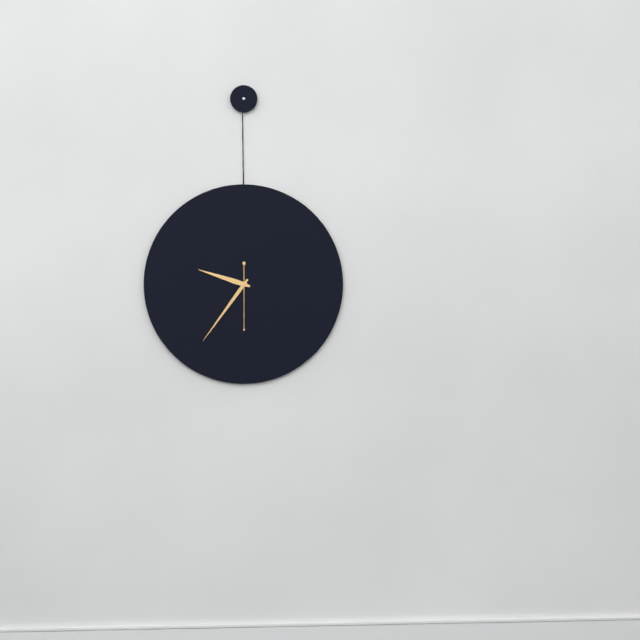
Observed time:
9:36:30
